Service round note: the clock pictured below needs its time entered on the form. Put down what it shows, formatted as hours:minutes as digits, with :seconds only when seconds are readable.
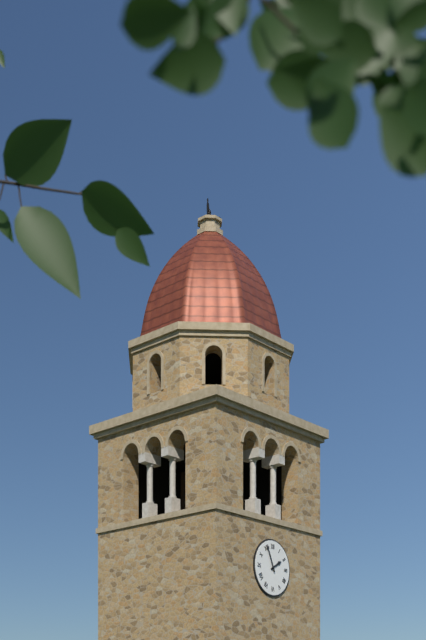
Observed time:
1:56
